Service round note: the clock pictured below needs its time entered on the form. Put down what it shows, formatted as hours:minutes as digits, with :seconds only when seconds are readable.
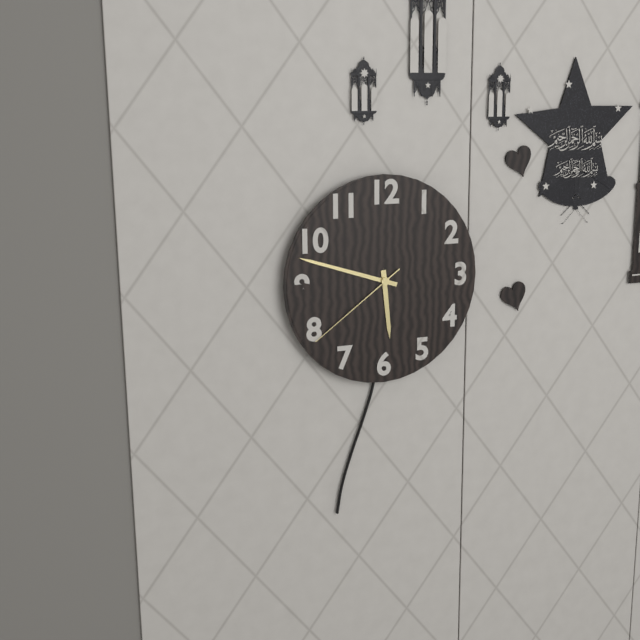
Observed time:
5:48:39
